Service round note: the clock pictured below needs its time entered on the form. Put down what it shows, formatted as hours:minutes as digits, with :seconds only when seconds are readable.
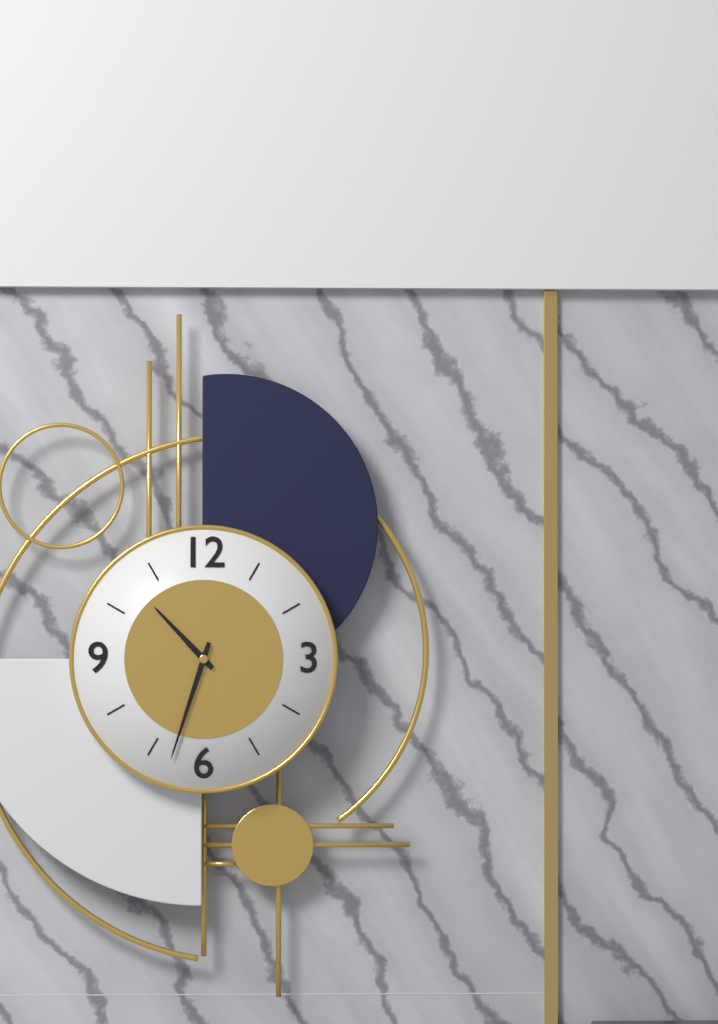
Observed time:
10:33
